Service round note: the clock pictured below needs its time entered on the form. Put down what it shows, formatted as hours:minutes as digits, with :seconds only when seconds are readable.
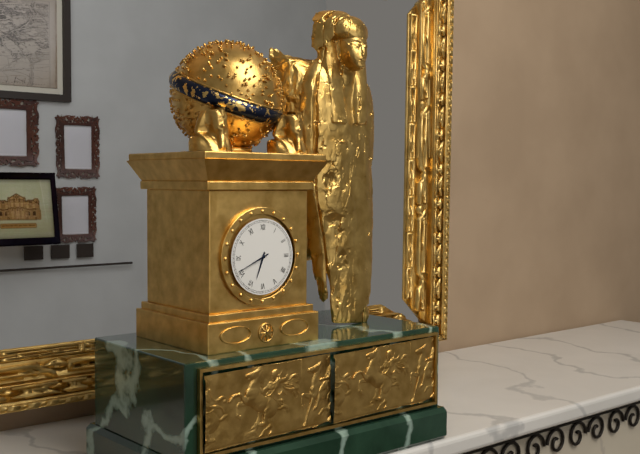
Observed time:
6:41
